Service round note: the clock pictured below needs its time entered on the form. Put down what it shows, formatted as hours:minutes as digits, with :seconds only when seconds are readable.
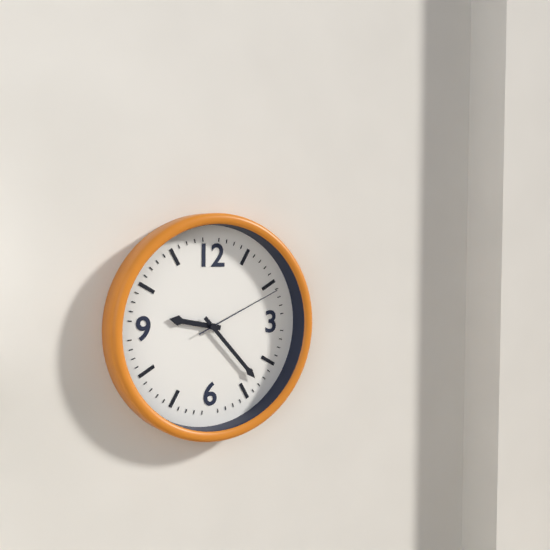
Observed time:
9:23:11
